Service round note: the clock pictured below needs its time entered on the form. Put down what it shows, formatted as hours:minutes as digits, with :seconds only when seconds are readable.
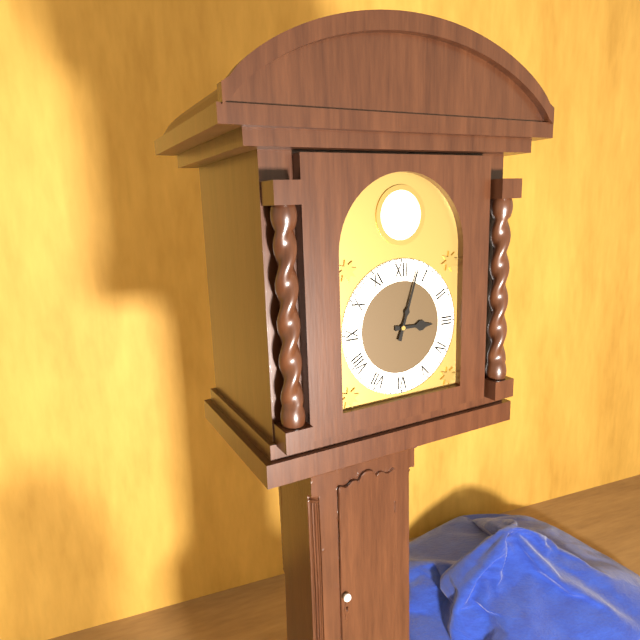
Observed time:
3:03
